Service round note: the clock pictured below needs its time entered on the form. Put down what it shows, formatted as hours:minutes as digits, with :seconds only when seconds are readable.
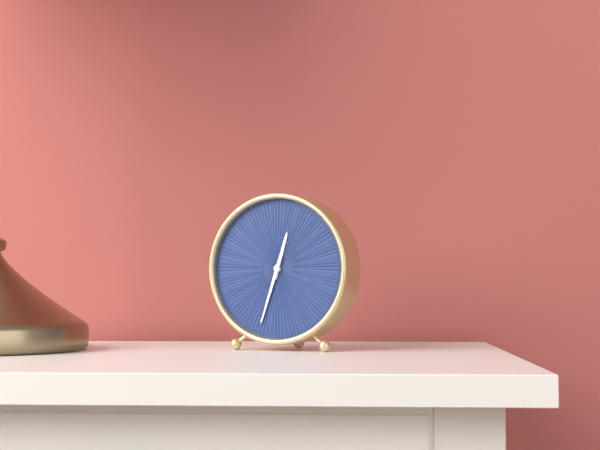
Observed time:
12:33
